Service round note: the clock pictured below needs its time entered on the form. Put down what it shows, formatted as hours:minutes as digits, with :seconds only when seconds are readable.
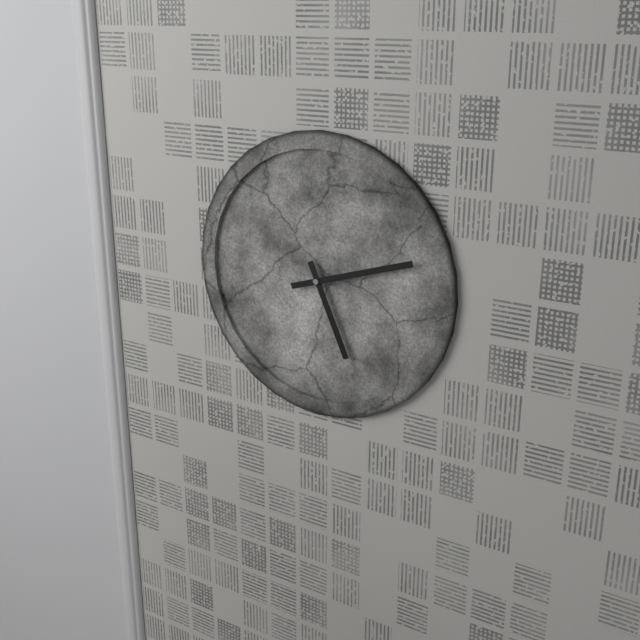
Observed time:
5:12
